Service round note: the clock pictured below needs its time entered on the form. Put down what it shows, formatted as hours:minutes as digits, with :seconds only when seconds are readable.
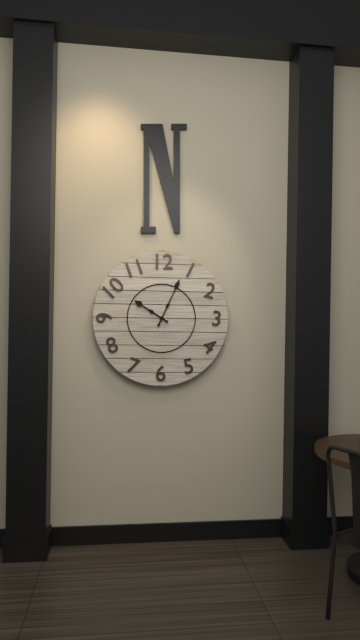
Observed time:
10:04
